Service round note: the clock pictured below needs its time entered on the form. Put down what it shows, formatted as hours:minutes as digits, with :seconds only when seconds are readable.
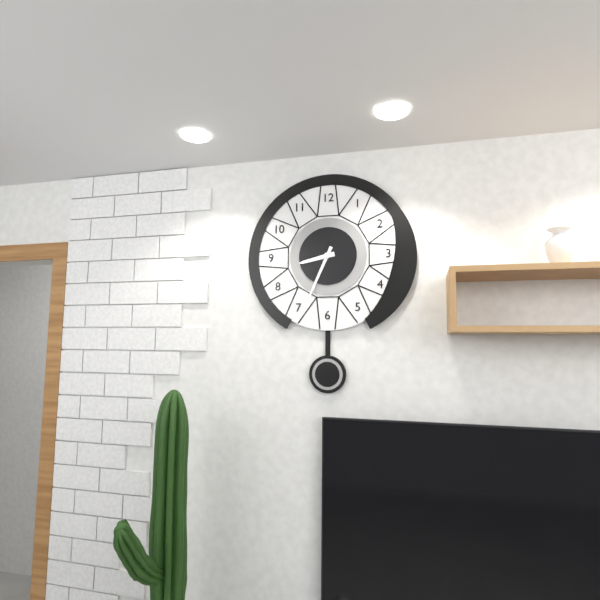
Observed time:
8:34
